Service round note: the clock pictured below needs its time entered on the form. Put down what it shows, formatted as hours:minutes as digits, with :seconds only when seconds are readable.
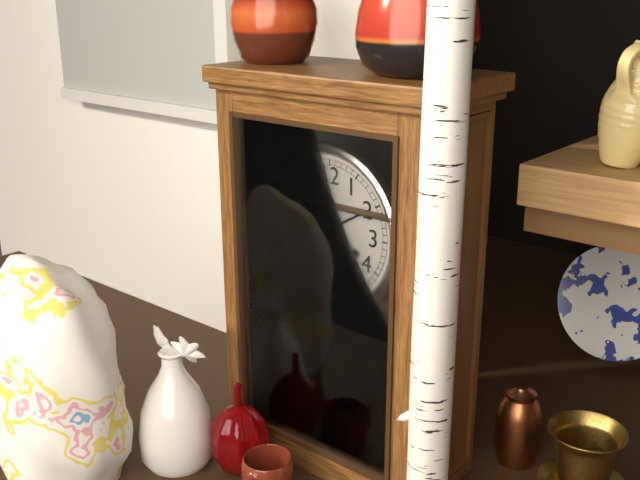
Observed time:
8:10
